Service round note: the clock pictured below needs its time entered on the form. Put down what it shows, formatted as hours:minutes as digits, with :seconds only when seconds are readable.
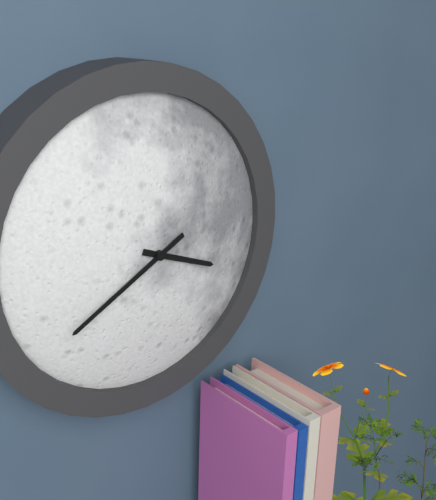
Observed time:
3:40
